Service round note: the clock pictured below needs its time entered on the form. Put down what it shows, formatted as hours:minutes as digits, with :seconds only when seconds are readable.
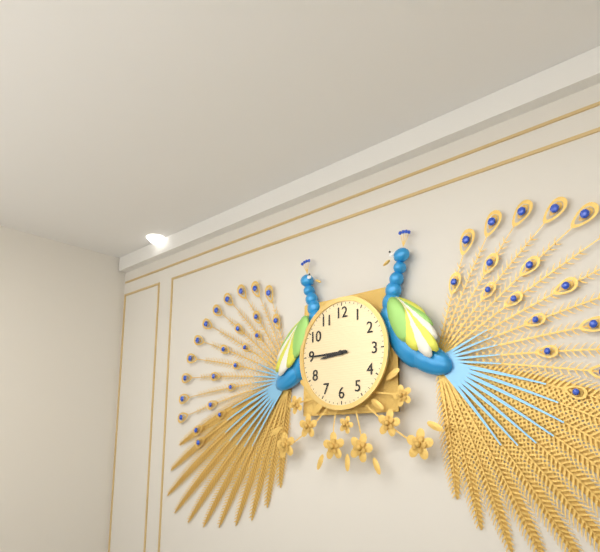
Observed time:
8:45
